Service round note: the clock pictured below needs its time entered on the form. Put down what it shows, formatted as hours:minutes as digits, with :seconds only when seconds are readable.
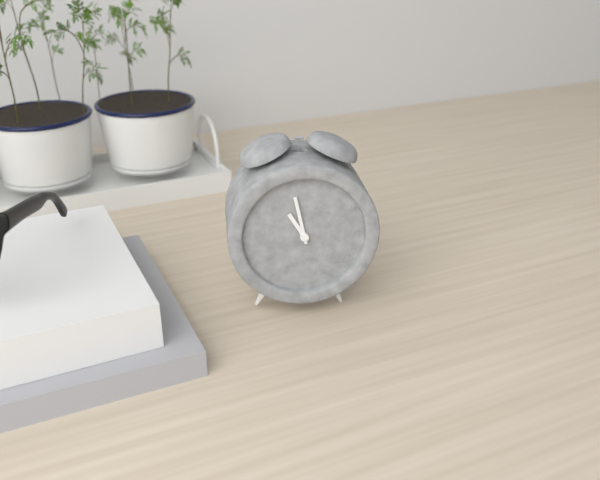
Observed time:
10:58
